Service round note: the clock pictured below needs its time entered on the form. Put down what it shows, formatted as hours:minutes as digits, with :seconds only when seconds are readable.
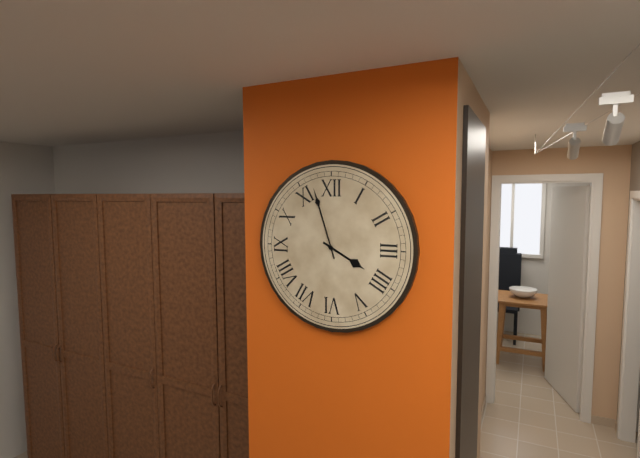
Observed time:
3:57
